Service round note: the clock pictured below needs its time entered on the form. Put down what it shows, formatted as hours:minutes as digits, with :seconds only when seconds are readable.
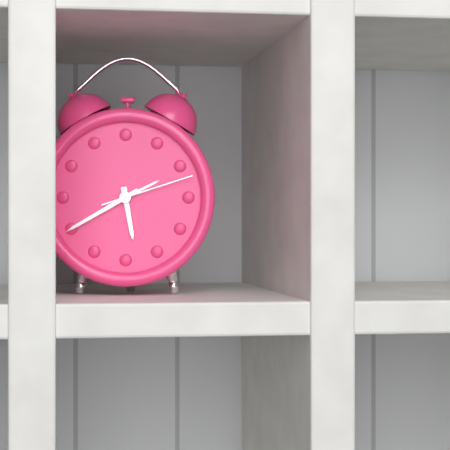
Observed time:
5:40:12
